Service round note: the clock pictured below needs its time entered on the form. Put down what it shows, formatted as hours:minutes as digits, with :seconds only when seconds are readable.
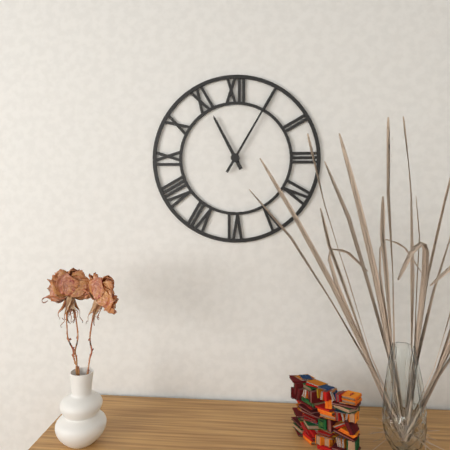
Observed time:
11:05
